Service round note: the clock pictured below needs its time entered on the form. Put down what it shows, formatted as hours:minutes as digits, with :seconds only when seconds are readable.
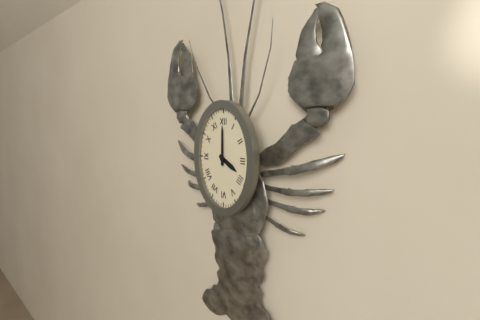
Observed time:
4:00
